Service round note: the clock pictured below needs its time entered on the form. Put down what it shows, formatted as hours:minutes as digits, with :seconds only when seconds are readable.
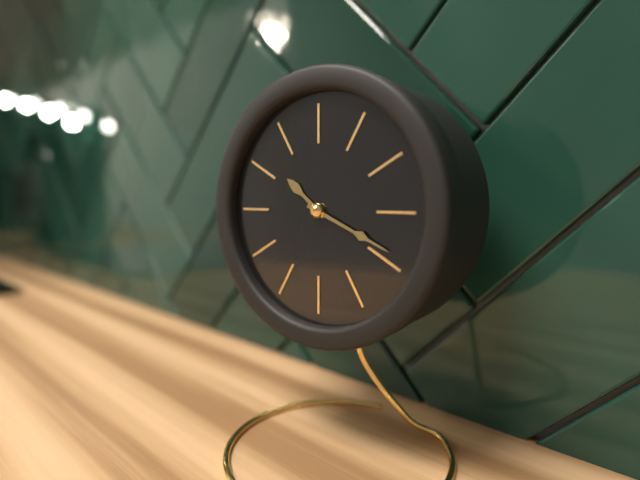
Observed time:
10:19
